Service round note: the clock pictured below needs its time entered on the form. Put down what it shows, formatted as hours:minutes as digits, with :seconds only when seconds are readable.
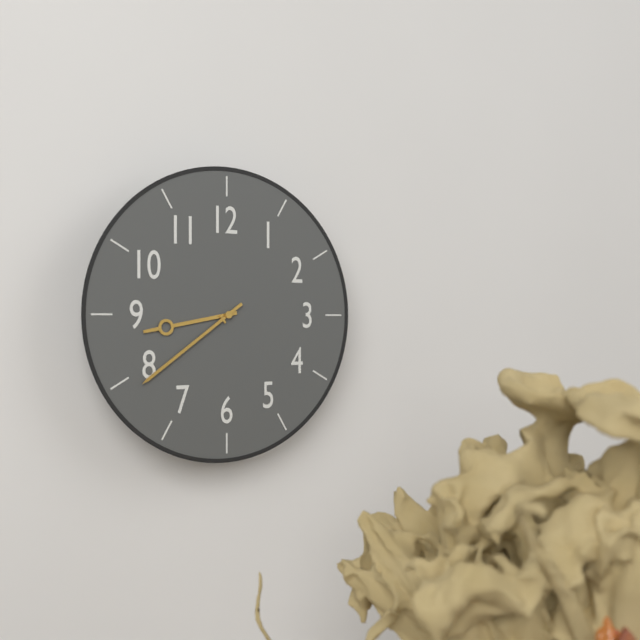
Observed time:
8:39
